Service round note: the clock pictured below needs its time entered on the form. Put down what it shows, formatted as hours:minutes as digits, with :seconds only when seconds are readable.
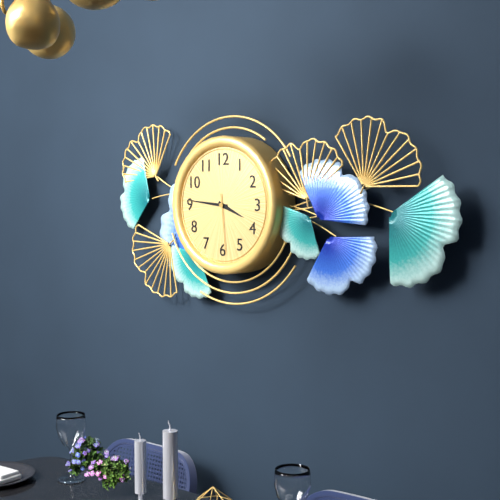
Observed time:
3:46:29
